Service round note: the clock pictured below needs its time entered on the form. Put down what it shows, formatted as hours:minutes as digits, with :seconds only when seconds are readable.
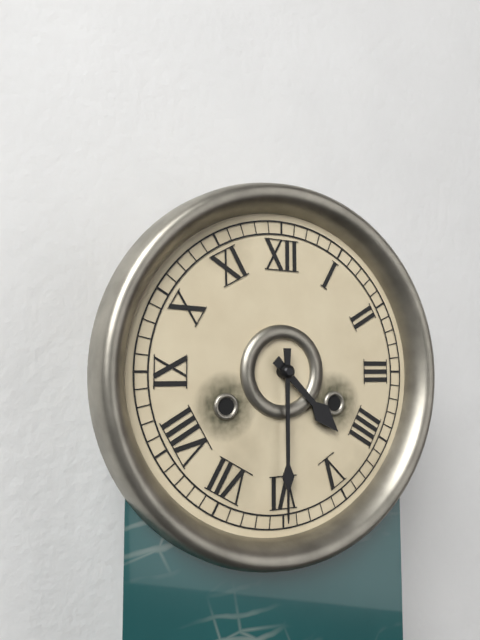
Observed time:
4:30
